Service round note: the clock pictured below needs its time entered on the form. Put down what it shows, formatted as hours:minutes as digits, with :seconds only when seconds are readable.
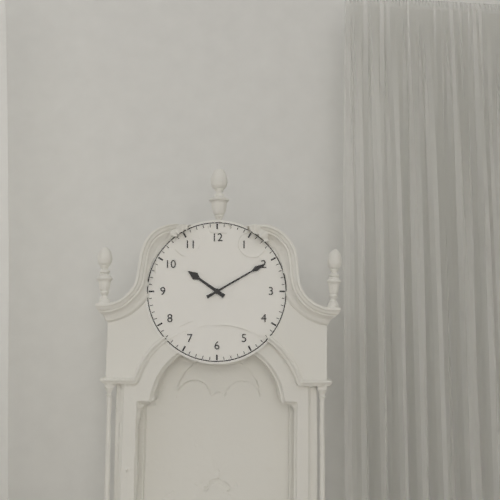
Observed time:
10:10
